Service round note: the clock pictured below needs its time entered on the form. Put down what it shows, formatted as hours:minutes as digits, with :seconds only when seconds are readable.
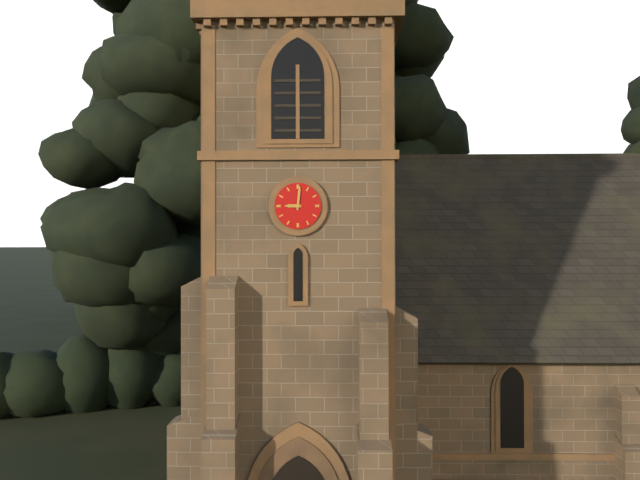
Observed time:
9:01
